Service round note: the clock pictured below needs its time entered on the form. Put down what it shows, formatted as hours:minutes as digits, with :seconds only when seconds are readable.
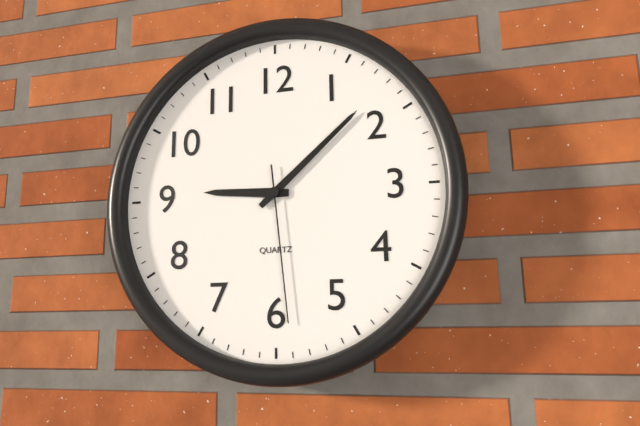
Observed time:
9:08:29
